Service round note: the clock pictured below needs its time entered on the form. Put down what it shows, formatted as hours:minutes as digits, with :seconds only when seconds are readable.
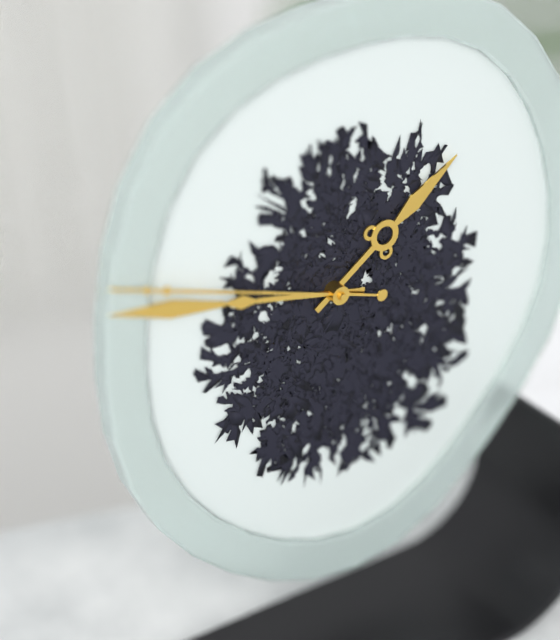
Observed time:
1:47:48
